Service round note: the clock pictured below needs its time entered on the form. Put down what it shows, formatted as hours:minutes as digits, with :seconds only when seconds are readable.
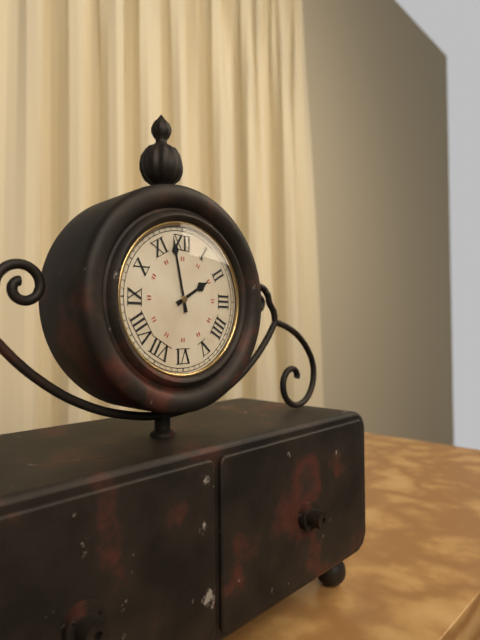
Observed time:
1:58
